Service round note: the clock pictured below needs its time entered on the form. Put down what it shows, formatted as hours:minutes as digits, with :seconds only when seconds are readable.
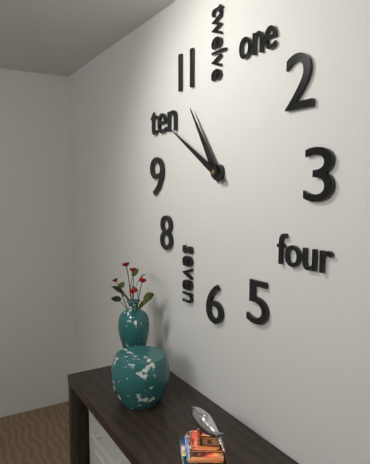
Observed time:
10:50
